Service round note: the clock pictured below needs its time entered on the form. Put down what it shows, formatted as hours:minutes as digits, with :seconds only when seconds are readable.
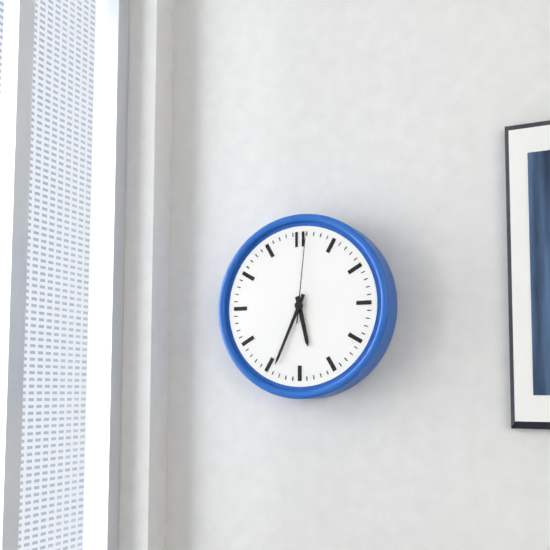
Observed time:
5:34:01
